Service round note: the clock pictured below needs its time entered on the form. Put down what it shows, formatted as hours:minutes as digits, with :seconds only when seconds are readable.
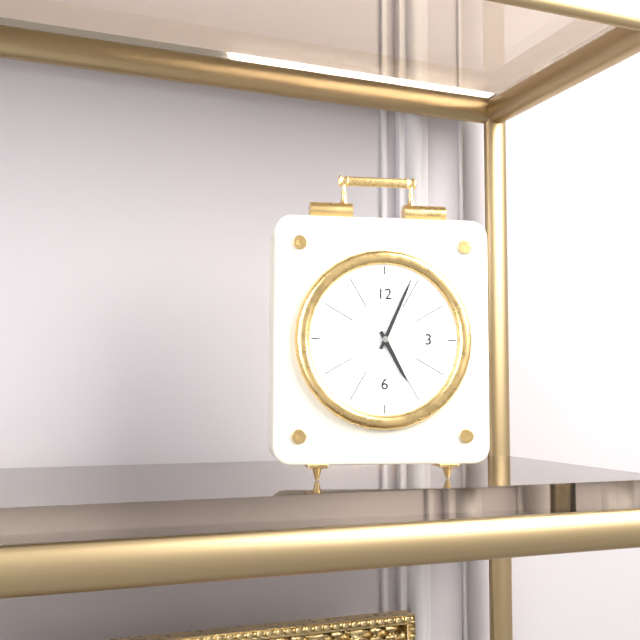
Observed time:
5:04
